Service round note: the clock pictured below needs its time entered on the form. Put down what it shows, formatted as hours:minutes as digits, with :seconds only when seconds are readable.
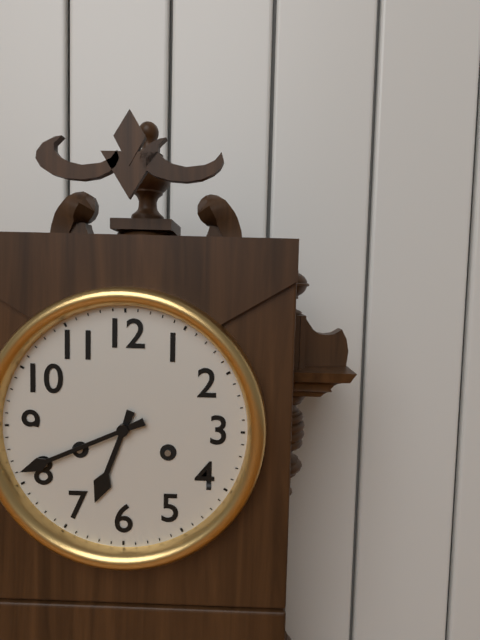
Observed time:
6:41
